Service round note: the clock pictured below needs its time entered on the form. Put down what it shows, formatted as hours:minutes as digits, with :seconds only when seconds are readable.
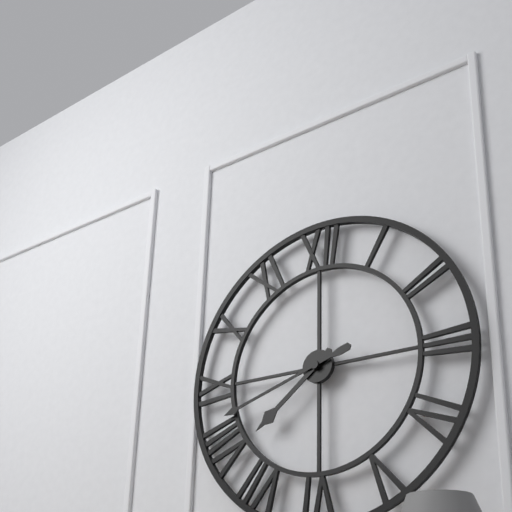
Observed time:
7:42
